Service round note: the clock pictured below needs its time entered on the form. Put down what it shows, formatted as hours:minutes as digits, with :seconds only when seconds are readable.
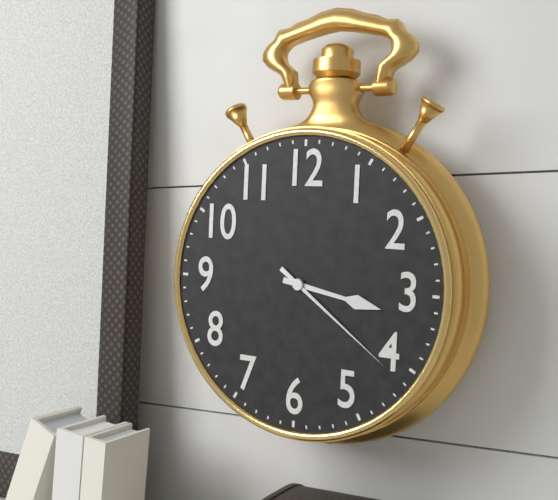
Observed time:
3:21
